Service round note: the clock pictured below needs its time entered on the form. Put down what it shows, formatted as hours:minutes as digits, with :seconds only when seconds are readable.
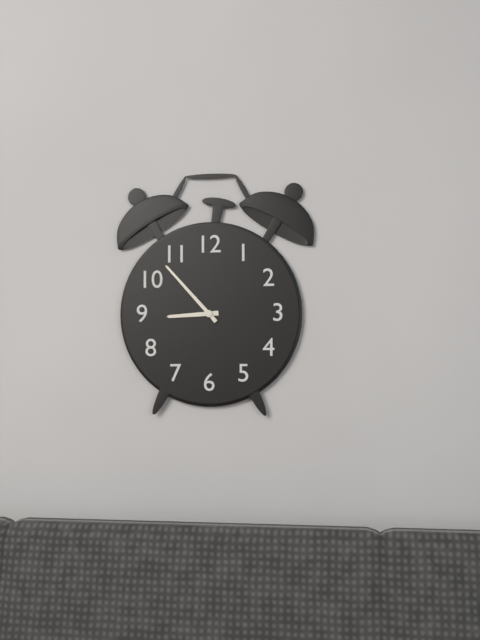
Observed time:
8:53
